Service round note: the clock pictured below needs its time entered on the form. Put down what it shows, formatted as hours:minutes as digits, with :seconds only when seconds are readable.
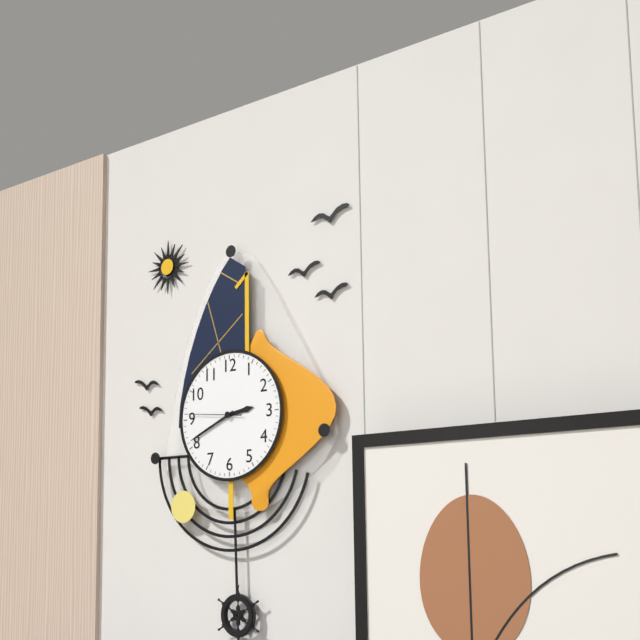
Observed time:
2:41:46
